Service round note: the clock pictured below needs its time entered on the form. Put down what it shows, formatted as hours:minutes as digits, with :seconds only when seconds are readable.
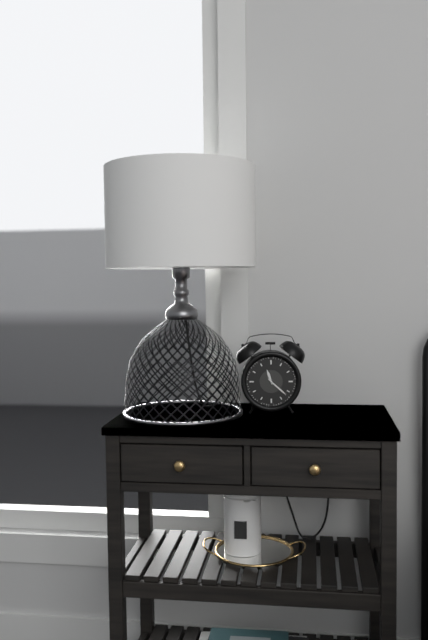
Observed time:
11:22
